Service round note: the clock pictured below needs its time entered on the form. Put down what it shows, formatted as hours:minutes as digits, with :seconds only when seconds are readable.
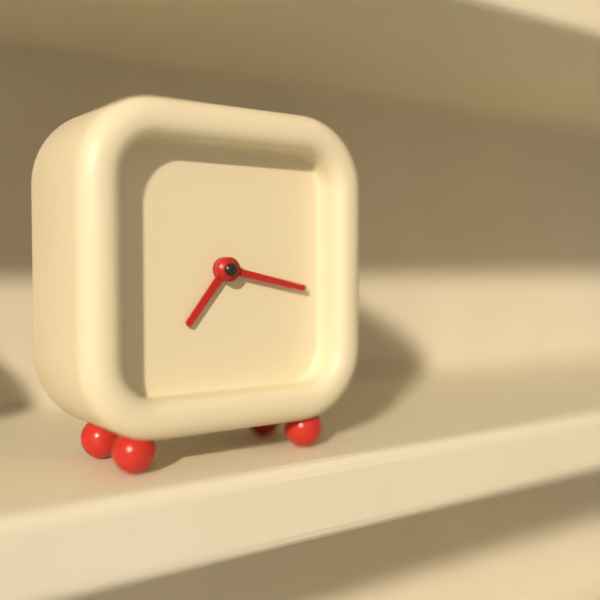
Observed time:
7:17
